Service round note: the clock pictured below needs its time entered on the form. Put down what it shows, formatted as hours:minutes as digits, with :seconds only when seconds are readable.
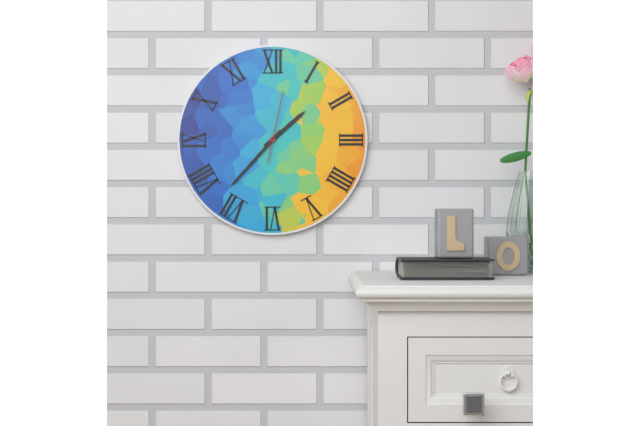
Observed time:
1:37:02
